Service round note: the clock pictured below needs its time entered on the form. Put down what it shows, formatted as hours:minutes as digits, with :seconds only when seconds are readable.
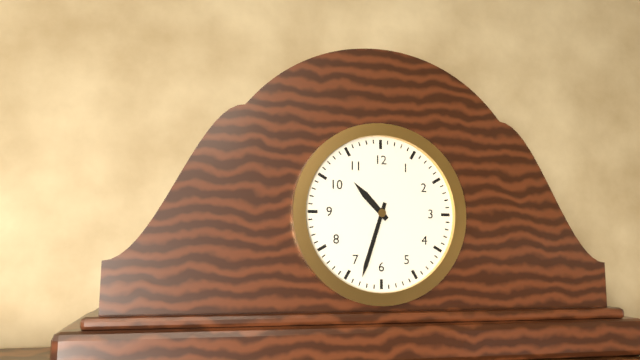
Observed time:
10:33
